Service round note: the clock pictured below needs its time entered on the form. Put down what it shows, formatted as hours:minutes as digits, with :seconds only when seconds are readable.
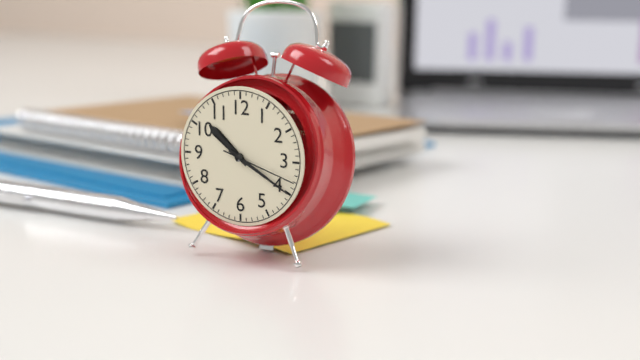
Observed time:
10:20:18
